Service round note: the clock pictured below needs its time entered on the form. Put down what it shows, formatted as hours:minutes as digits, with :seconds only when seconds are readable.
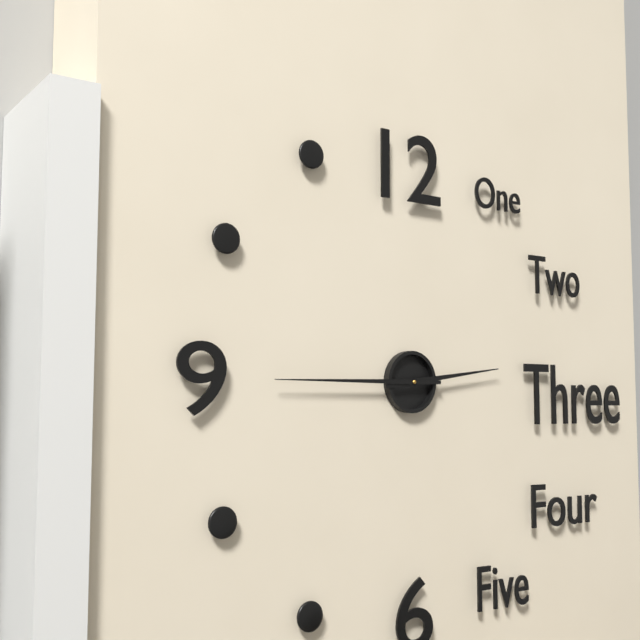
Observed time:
2:45
